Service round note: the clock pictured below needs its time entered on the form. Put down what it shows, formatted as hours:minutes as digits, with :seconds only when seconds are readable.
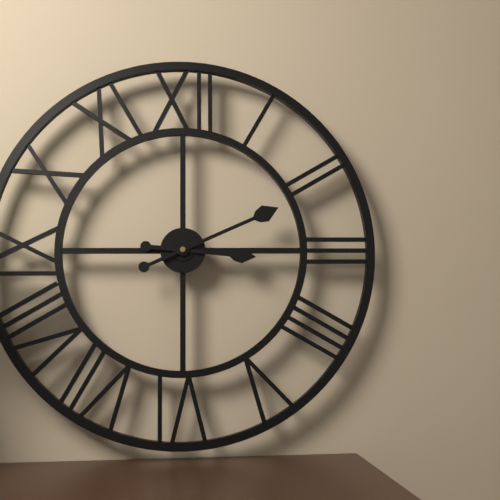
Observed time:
3:11
